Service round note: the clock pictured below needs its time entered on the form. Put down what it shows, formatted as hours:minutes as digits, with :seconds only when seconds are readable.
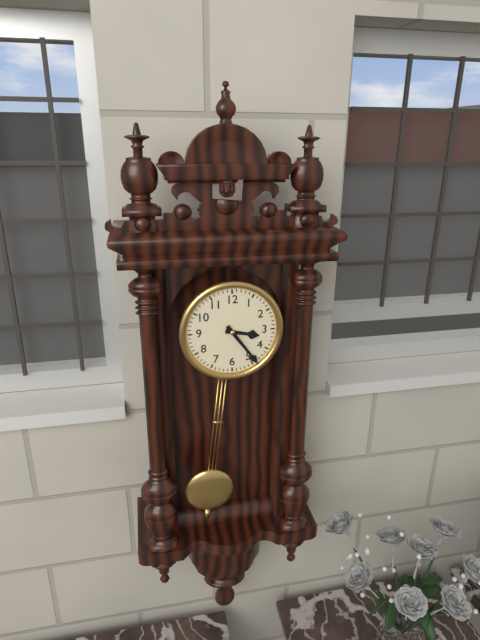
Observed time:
3:24
